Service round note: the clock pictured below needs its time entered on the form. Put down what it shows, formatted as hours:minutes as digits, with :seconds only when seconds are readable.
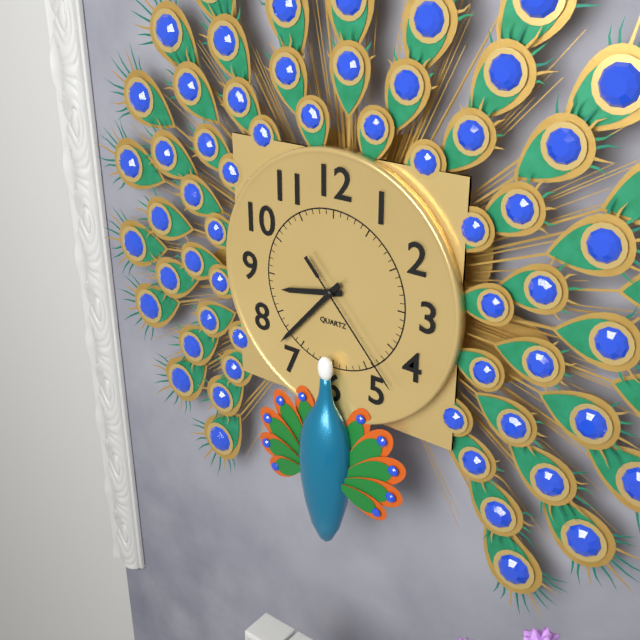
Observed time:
8:37:23
